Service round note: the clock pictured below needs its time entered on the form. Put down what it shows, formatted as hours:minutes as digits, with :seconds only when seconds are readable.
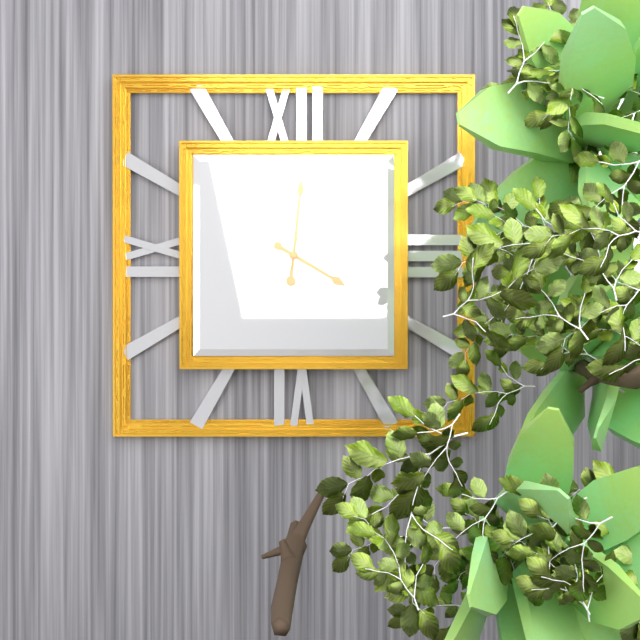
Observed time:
4:01:02
